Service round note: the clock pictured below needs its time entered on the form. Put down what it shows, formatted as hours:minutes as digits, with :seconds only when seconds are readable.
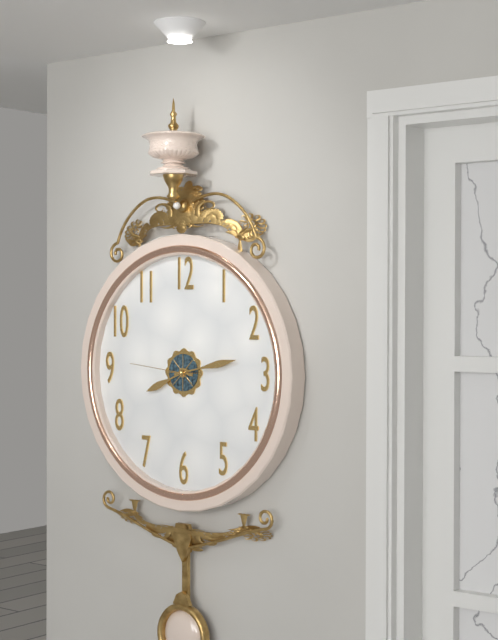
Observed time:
8:13:46
